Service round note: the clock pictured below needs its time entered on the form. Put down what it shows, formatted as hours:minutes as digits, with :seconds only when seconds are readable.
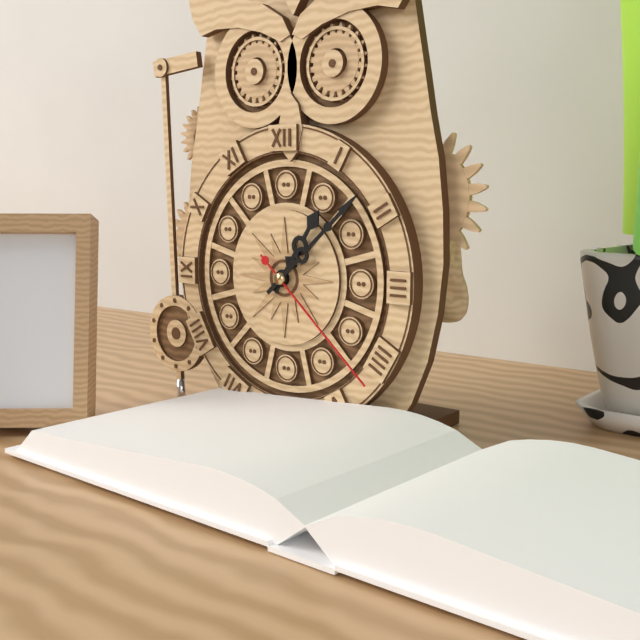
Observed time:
1:08:22
